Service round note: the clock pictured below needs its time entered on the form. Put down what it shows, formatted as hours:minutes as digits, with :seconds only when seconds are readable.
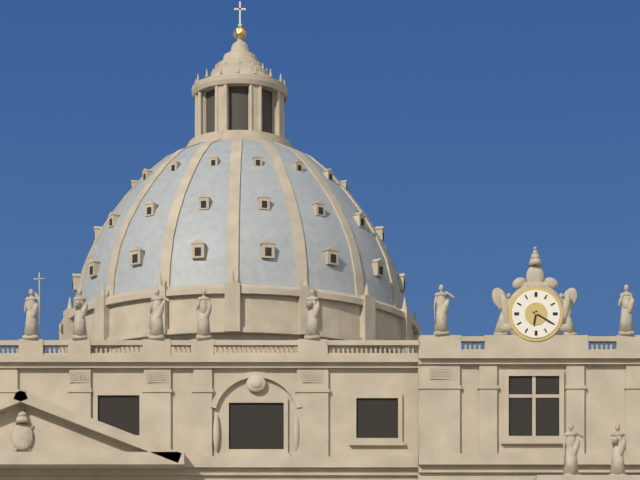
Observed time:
6:20
